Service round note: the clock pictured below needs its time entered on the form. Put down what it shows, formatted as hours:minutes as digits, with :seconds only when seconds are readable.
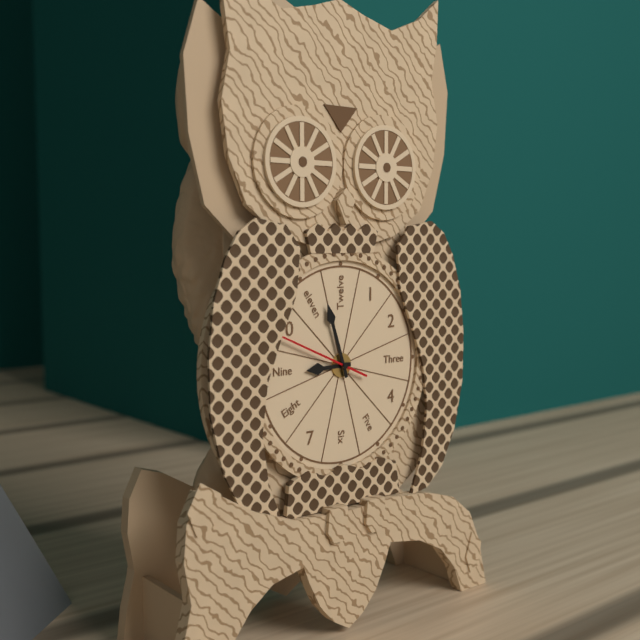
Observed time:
8:57:49
